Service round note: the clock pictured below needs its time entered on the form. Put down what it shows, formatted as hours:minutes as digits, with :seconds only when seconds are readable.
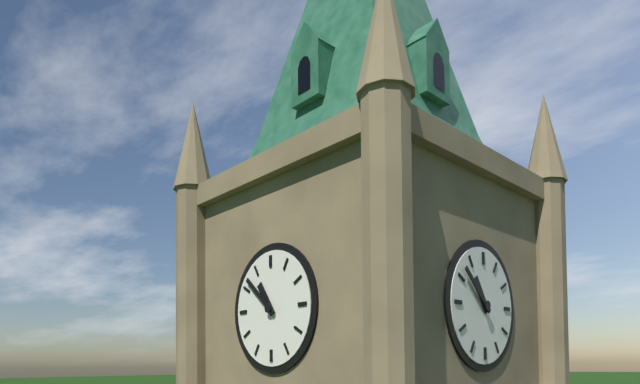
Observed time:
10:52
